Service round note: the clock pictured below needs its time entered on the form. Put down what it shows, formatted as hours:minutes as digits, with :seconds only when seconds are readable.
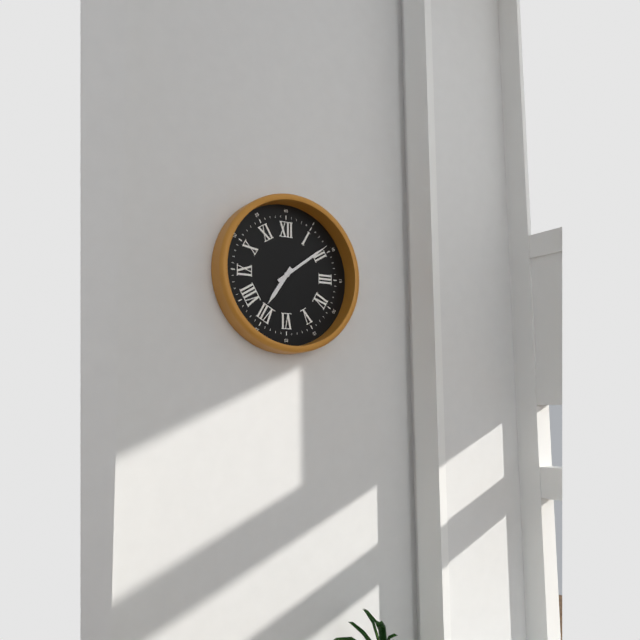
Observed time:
7:09
